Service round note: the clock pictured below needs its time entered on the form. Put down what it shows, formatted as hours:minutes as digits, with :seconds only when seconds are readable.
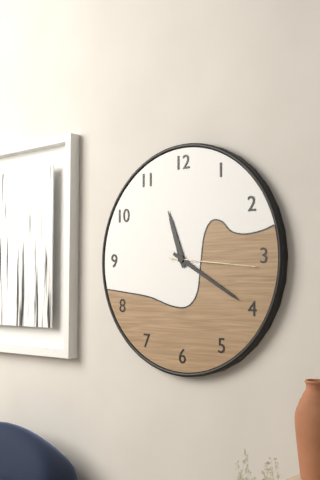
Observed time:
11:20:16
